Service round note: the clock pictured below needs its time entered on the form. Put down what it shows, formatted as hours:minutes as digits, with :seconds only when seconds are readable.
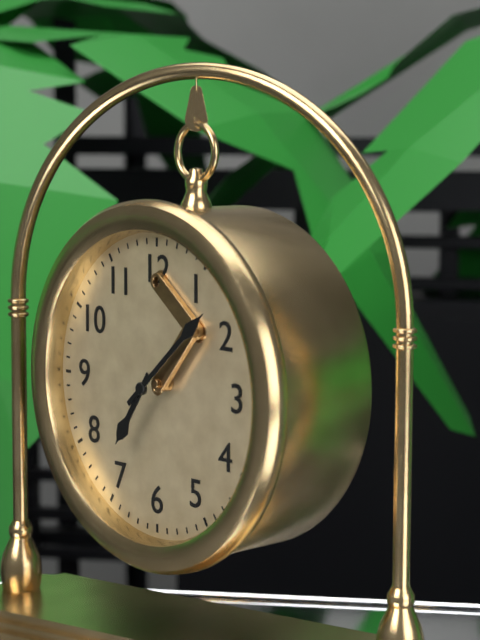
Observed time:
7:08
